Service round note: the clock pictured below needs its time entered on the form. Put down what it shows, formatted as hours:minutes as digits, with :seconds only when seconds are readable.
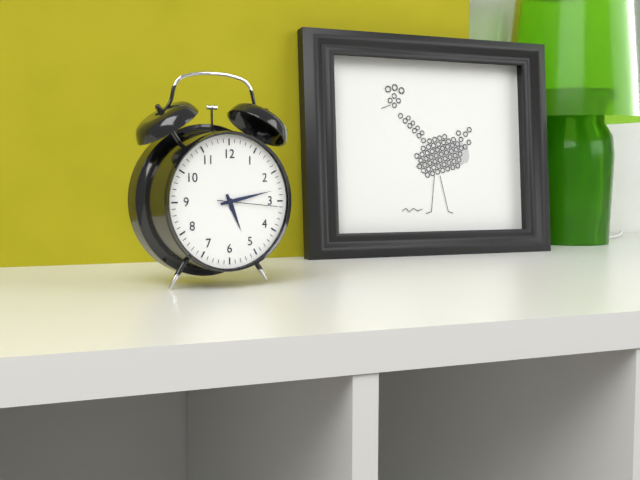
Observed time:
5:13:16
